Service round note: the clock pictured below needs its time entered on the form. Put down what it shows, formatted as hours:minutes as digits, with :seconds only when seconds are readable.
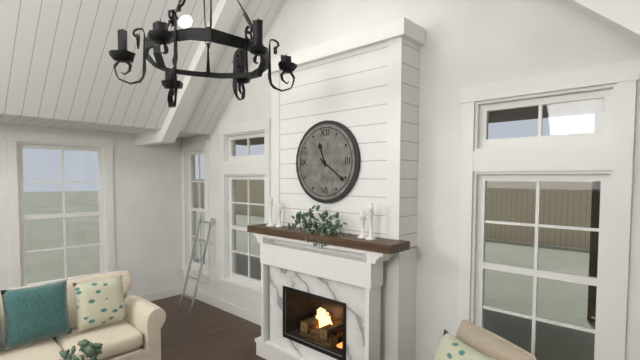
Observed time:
11:21
